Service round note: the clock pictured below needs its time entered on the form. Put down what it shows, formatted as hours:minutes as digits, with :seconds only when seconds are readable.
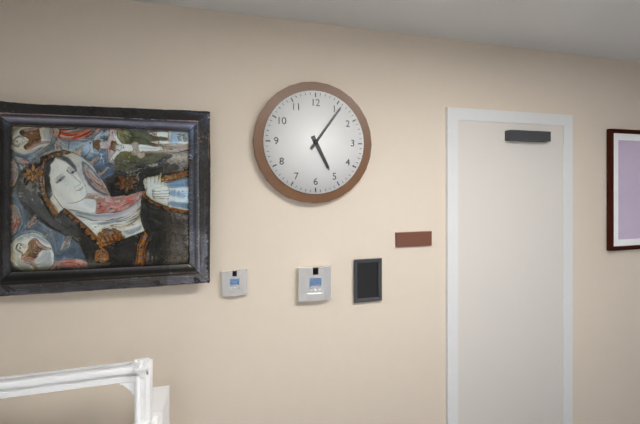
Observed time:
5:06
